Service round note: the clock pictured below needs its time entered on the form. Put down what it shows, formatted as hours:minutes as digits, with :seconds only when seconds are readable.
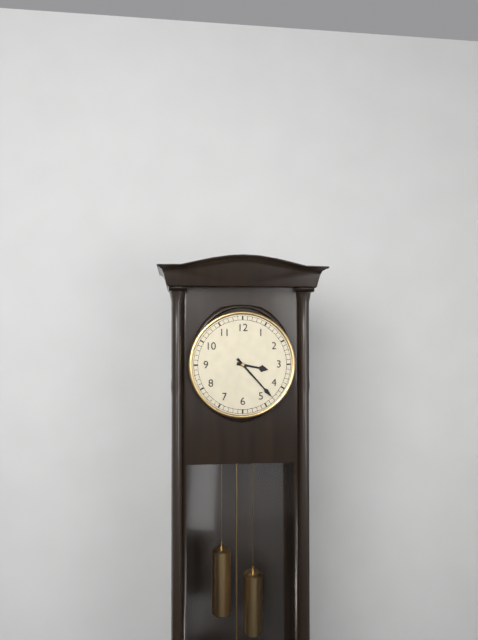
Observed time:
3:23
